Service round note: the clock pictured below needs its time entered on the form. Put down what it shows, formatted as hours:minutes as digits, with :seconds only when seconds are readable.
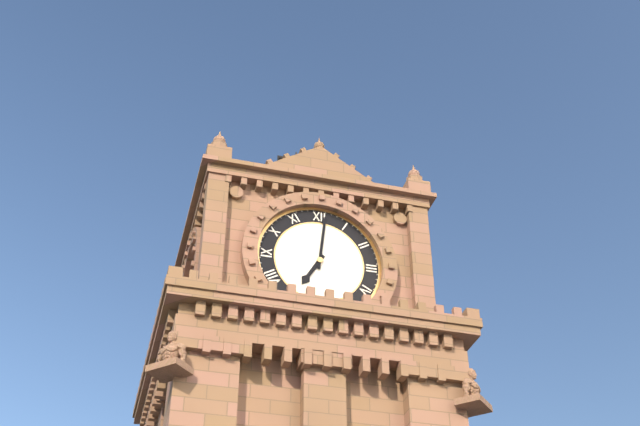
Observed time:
7:01
